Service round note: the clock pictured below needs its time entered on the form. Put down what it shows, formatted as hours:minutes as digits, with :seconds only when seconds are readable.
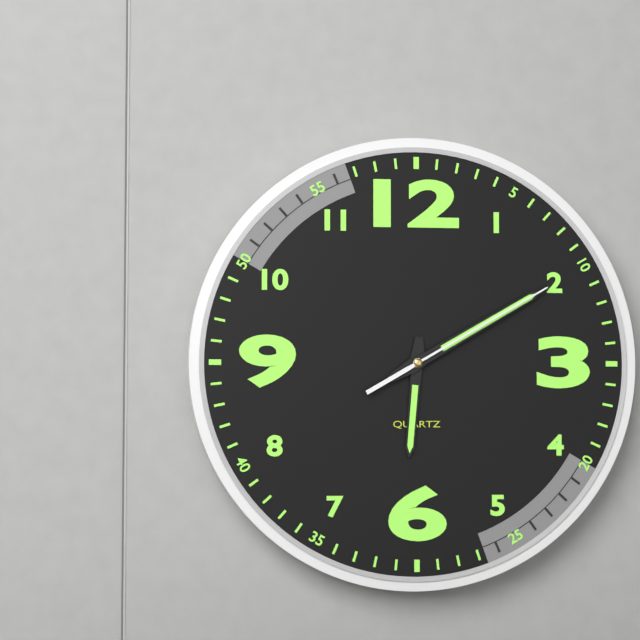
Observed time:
6:10:10
